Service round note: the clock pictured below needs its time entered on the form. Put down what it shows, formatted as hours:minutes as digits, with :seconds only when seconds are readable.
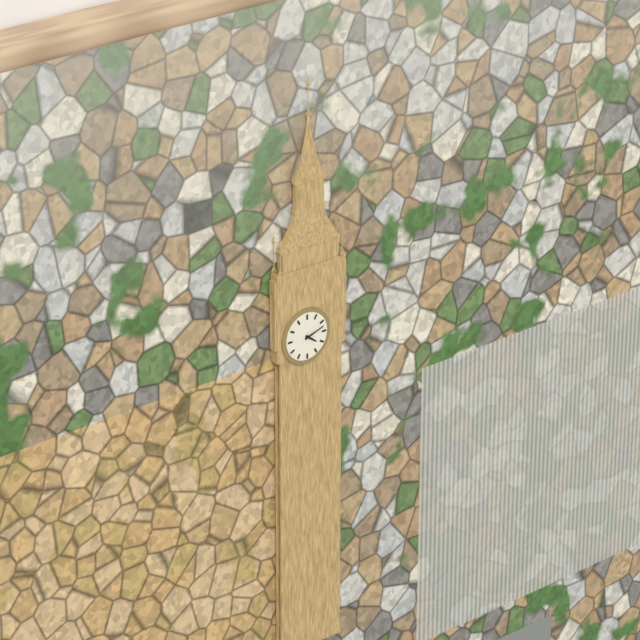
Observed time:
4:12
